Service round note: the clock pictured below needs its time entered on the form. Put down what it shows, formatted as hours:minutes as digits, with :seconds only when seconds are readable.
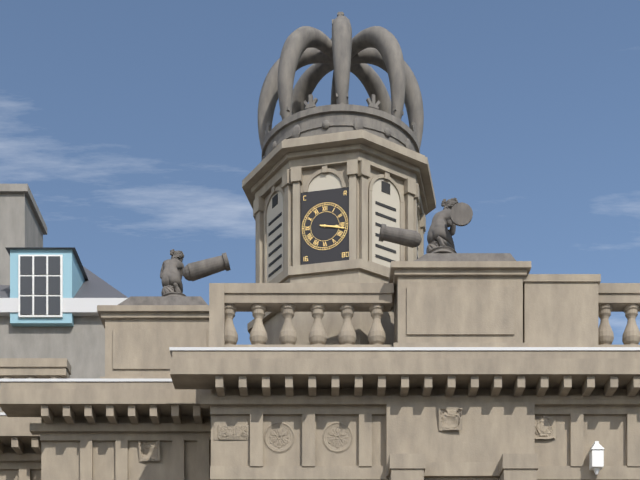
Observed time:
3:17
